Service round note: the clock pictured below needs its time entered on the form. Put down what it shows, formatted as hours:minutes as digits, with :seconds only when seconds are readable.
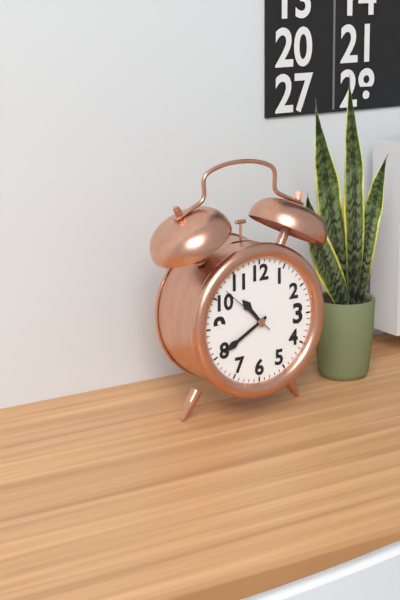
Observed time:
10:40:52
